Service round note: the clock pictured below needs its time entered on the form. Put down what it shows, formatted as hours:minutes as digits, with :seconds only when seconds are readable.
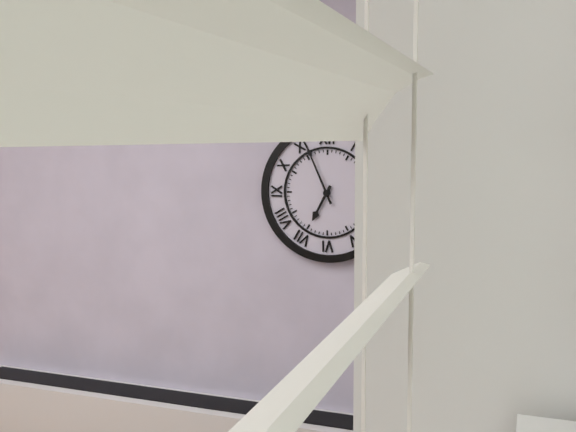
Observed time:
6:56
